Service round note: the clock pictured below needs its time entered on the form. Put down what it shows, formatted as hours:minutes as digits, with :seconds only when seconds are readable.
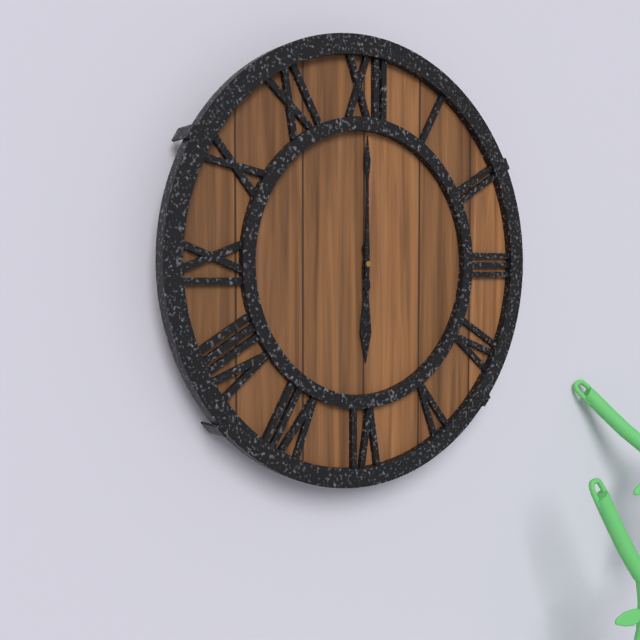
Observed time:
6:00
